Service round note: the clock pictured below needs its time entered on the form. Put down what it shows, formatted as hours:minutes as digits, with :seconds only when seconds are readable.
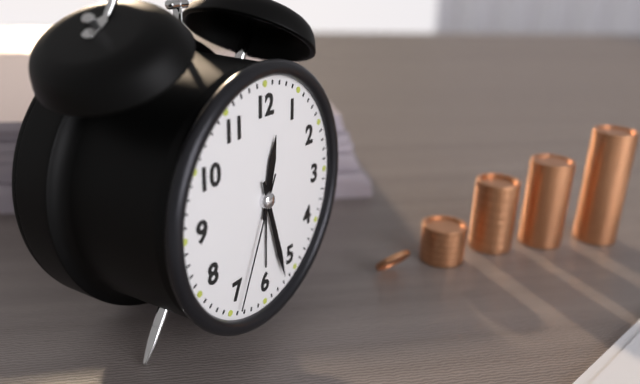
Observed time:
12:27:34
